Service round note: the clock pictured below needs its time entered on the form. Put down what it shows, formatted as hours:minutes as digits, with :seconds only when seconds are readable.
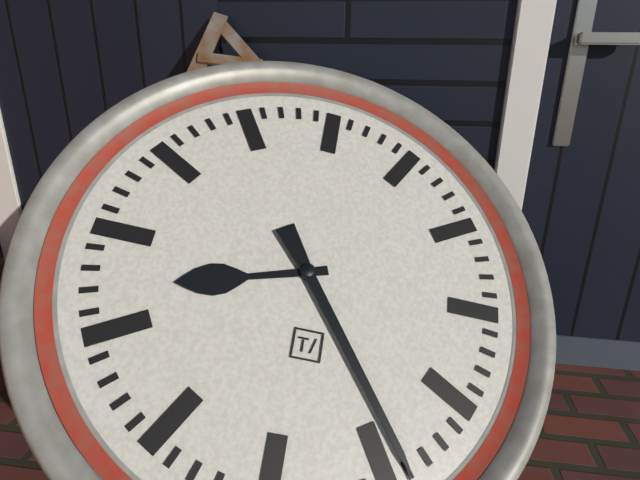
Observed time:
8:24
